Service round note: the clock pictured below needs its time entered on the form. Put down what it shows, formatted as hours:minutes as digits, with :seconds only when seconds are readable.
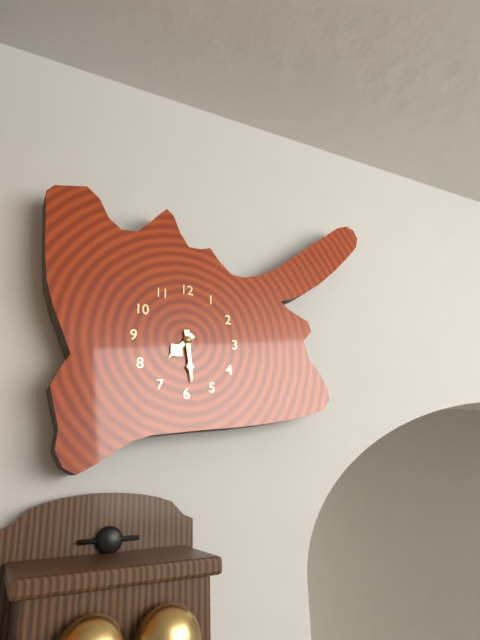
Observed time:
7:29
